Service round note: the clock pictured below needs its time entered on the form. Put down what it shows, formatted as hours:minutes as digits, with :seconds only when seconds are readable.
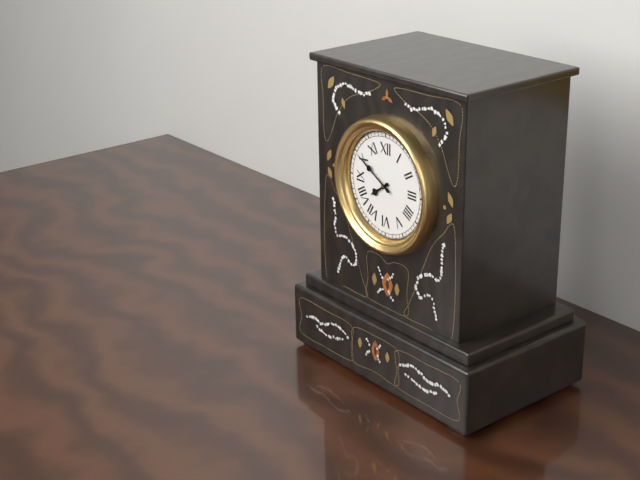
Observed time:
7:50
